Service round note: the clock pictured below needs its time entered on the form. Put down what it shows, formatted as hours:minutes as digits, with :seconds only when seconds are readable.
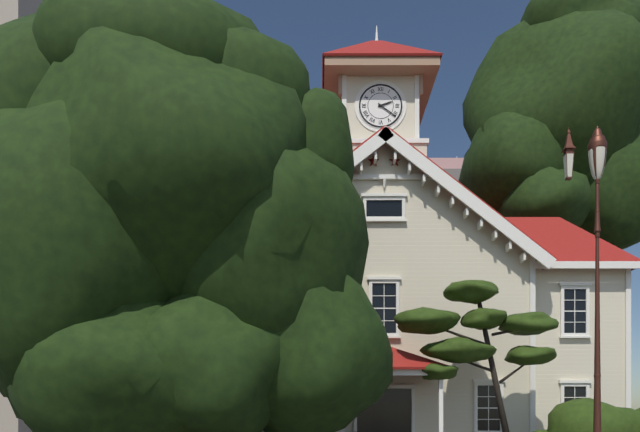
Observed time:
2:21
